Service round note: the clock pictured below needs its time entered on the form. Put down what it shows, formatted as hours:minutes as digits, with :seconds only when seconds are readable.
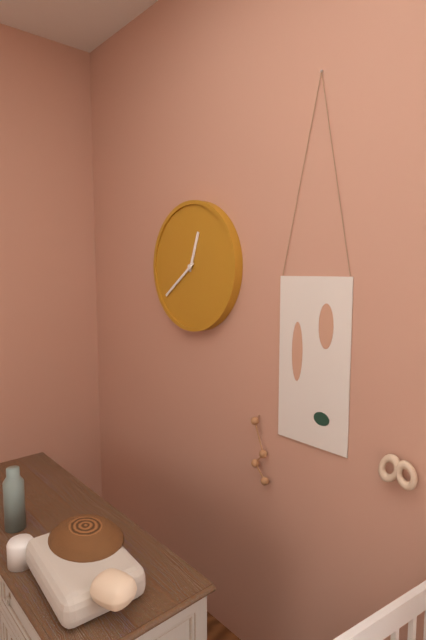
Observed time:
12:39
